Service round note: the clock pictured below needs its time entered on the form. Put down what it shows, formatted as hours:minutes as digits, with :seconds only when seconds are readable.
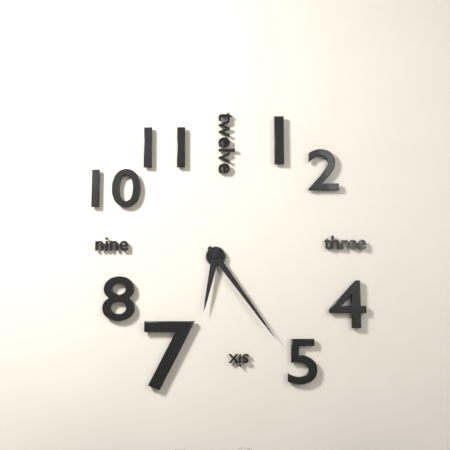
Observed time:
6:24
